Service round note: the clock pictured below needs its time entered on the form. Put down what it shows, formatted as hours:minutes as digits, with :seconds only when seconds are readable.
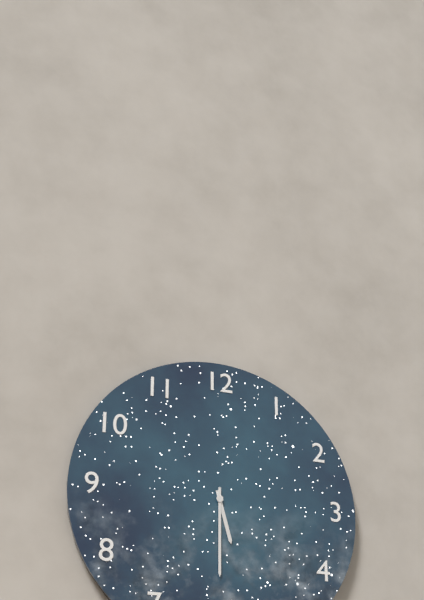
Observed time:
5:30
